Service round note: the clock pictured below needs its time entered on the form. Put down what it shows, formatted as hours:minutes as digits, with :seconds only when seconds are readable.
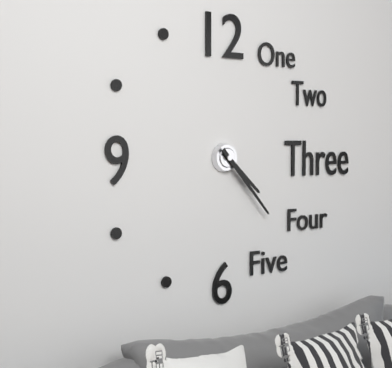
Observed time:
4:23
